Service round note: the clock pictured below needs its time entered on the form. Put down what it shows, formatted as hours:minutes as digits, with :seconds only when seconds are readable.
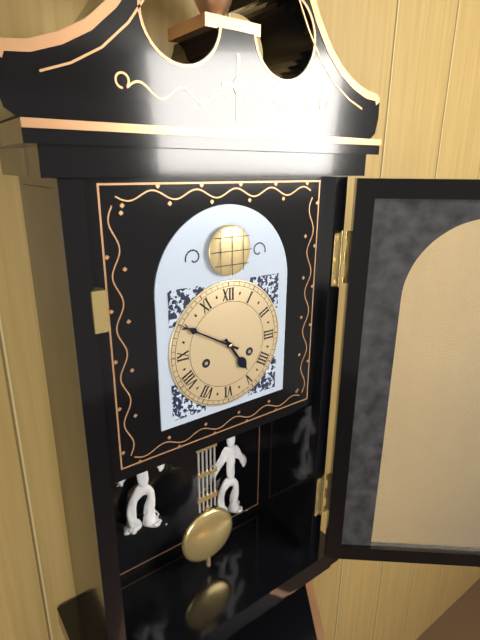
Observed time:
4:50
